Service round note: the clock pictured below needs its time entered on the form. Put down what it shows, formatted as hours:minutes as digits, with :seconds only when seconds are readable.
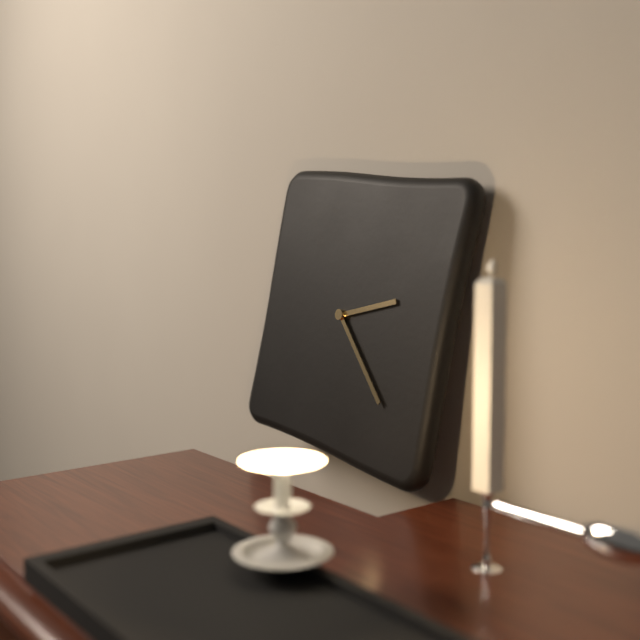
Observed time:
2:22
